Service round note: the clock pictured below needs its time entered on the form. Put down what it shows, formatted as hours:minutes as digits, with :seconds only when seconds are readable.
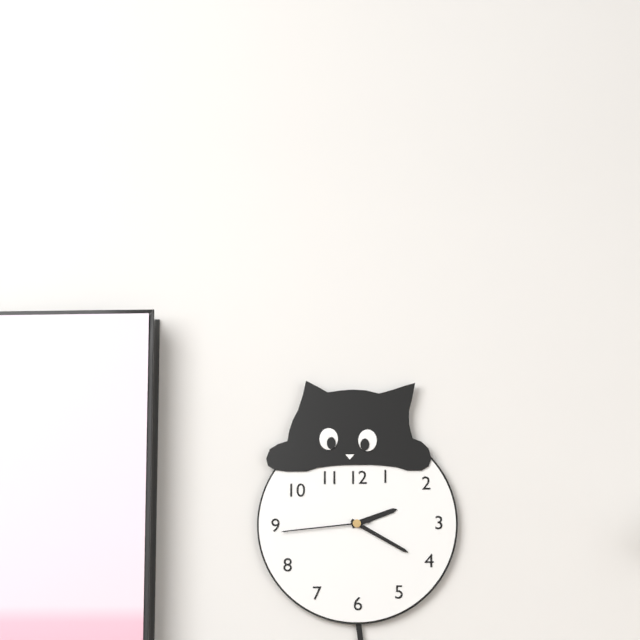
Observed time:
2:20:44
